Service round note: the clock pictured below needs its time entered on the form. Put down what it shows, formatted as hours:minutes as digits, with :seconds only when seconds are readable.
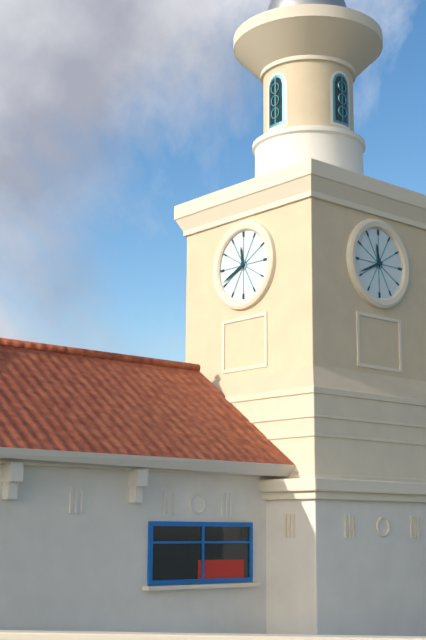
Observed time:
11:41
